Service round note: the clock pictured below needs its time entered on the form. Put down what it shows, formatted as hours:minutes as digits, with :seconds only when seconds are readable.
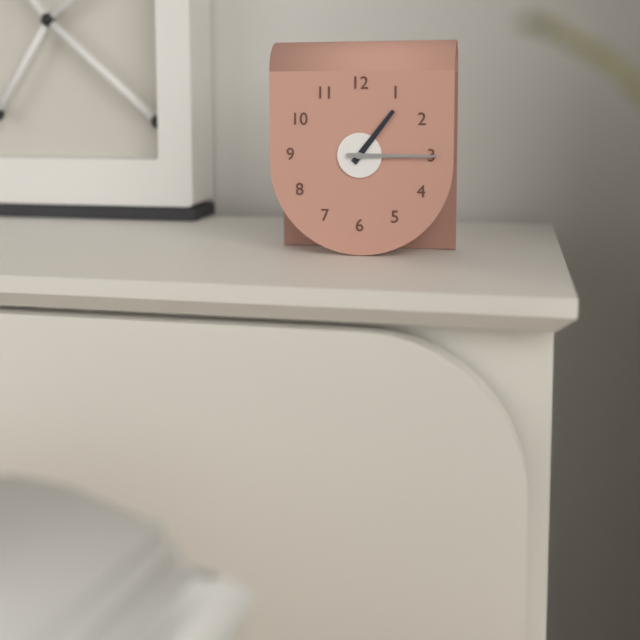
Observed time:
1:15
